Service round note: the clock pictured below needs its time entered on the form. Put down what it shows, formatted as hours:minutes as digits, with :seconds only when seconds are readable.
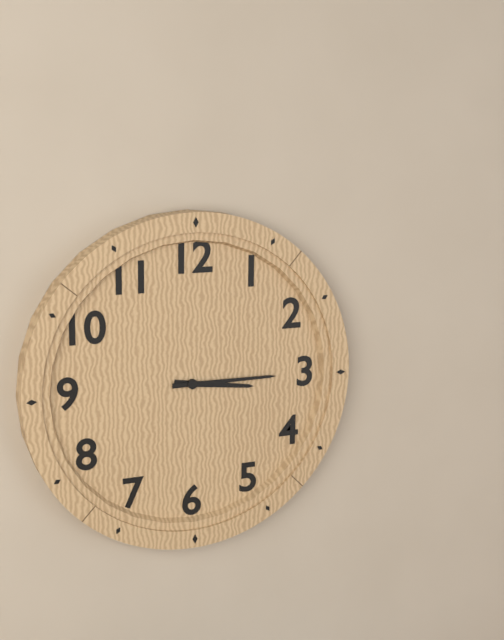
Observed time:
3:15
